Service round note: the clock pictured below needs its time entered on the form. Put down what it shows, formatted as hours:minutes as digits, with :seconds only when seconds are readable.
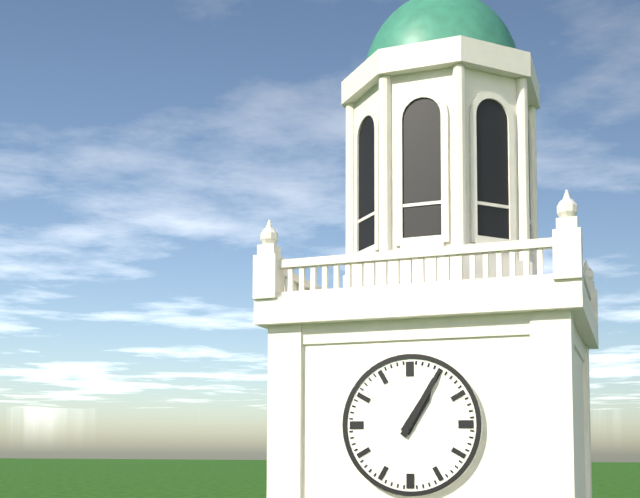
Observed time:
1:05
